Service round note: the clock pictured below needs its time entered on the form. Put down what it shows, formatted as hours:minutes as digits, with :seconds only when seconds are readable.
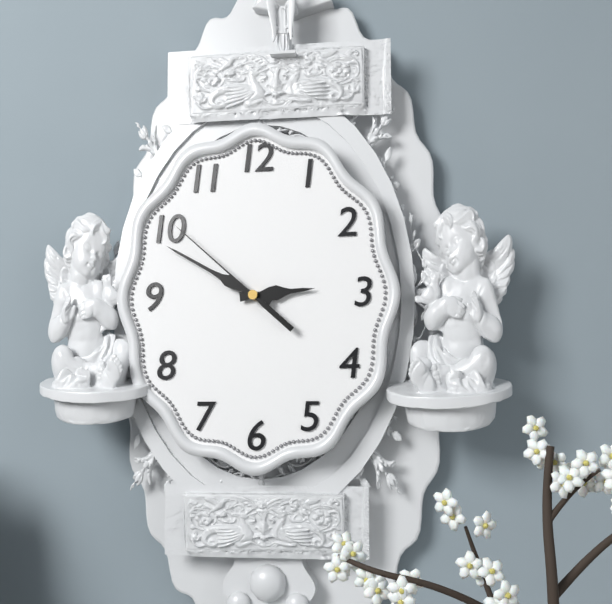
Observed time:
2:50:52
